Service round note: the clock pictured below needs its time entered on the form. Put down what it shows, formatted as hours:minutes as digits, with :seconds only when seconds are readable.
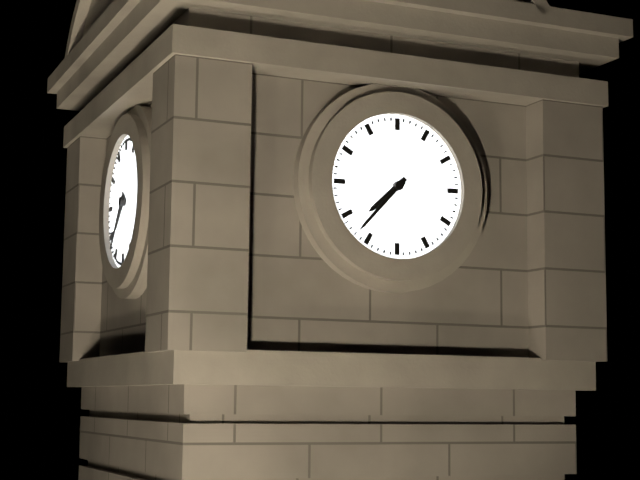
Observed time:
7:37
